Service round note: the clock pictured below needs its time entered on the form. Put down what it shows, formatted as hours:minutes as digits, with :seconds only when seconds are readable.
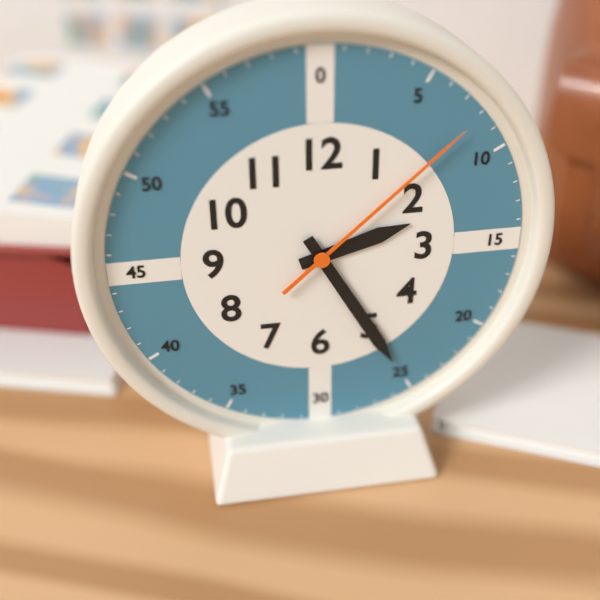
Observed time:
2:25:08
